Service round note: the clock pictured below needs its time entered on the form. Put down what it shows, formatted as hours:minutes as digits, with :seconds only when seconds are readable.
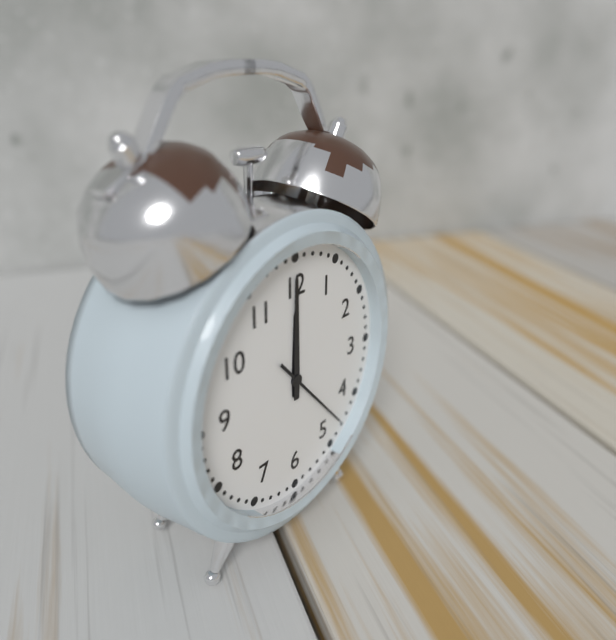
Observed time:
12:00:23
